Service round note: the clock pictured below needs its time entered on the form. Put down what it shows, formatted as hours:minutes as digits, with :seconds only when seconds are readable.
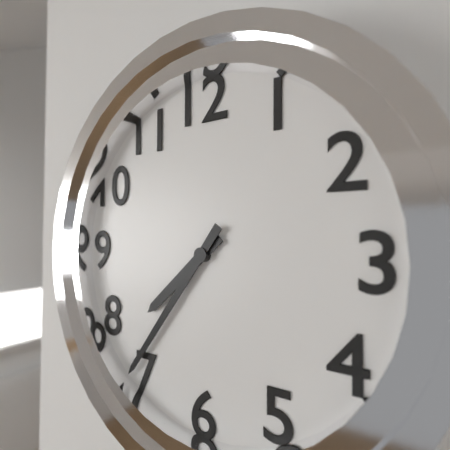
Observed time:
7:36
